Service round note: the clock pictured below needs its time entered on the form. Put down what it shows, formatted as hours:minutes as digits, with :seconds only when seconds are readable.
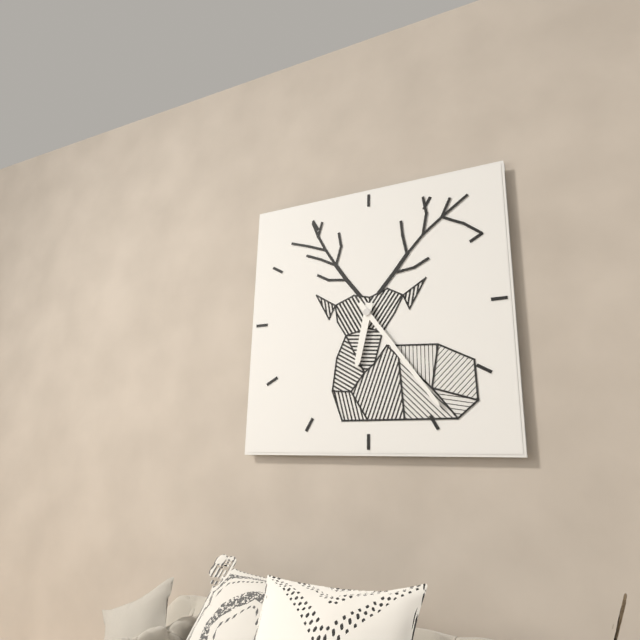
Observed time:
6:24
